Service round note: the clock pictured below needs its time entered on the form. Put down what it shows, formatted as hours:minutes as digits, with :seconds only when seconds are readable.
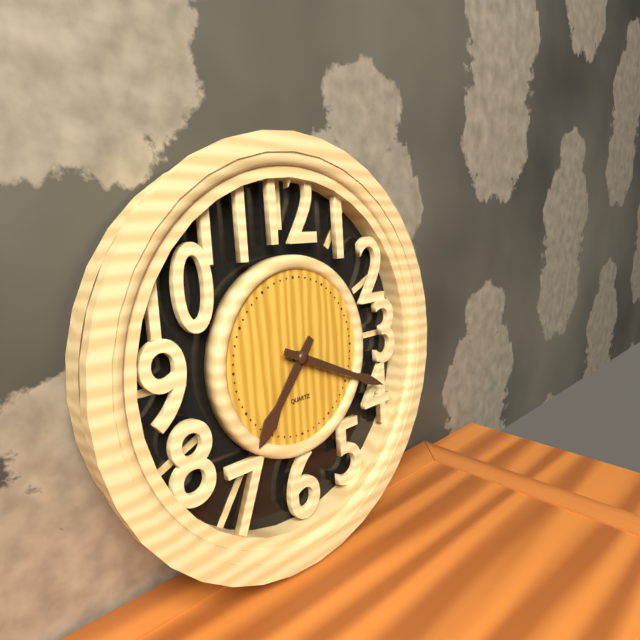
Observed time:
7:19
